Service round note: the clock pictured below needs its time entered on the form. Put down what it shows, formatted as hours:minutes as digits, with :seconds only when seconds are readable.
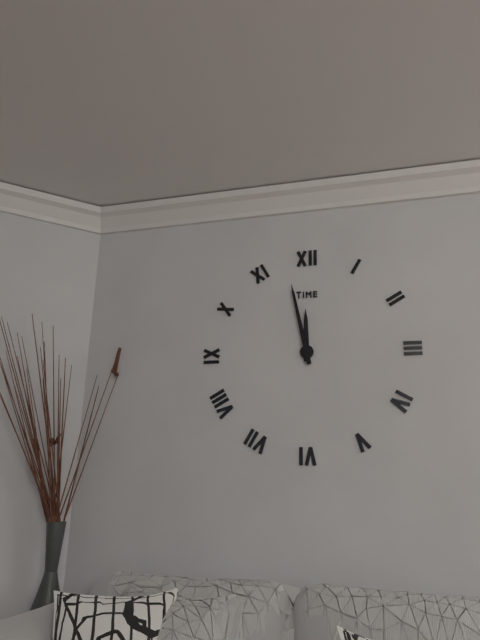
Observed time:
11:58
